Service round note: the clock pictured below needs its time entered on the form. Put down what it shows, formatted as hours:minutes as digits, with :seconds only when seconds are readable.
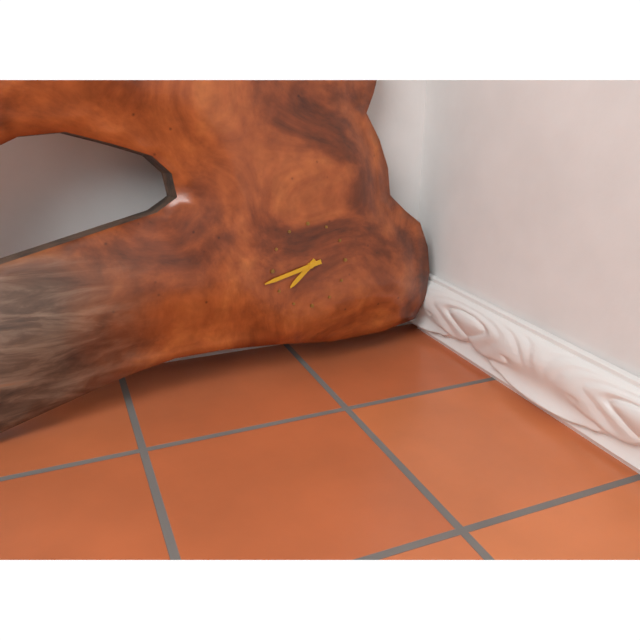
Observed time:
7:43
